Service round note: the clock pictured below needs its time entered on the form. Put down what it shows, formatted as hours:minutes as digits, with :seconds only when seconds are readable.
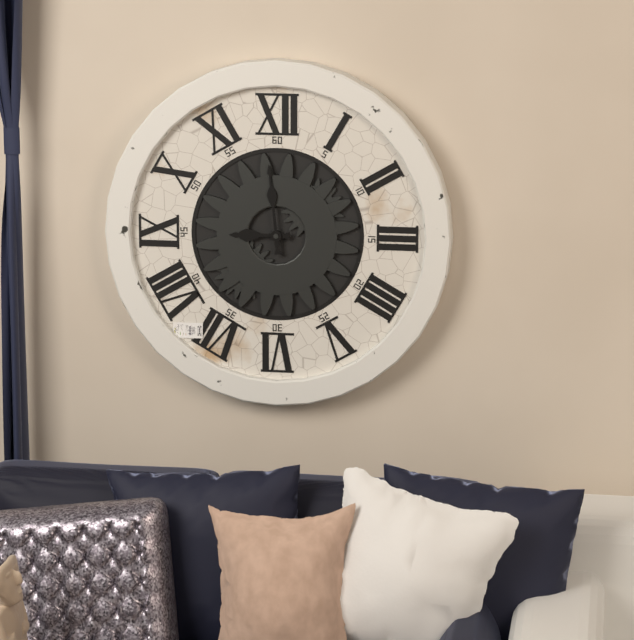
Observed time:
8:59
